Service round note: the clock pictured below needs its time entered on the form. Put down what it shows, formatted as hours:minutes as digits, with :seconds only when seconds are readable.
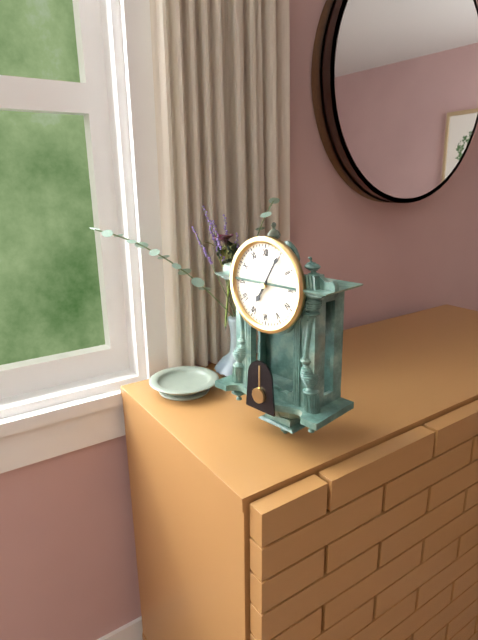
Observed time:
7:05
